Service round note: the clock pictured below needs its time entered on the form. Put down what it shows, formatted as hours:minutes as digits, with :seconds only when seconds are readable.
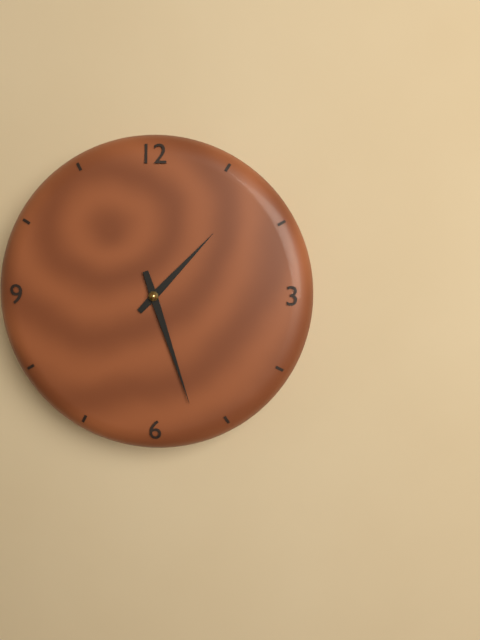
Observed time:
1:27
